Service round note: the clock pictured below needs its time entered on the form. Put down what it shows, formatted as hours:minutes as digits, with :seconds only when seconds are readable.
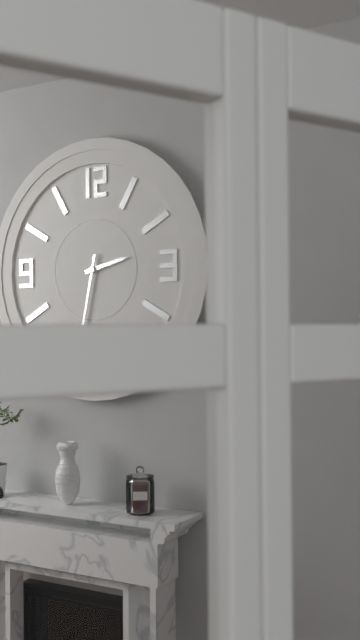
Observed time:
2:32
